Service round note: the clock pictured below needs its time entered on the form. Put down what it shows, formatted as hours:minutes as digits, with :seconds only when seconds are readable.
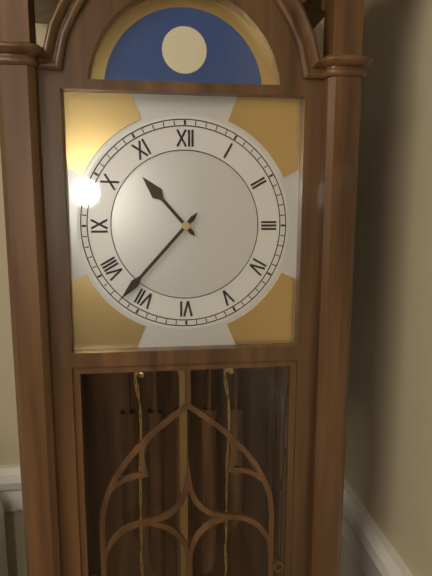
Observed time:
10:37
